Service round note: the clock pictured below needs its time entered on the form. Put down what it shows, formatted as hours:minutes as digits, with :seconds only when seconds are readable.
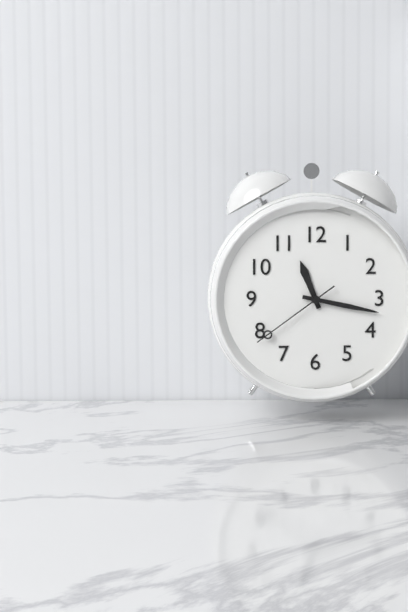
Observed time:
11:17:39
